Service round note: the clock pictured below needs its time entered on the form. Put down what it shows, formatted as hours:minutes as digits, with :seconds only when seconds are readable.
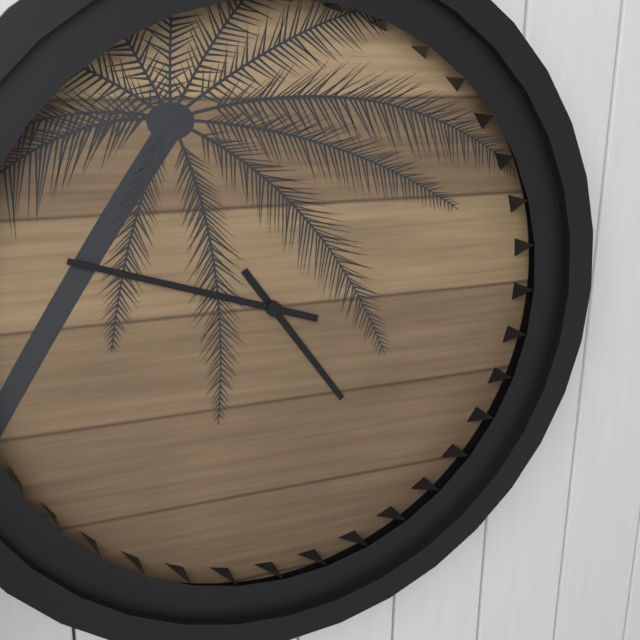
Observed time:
4:48
